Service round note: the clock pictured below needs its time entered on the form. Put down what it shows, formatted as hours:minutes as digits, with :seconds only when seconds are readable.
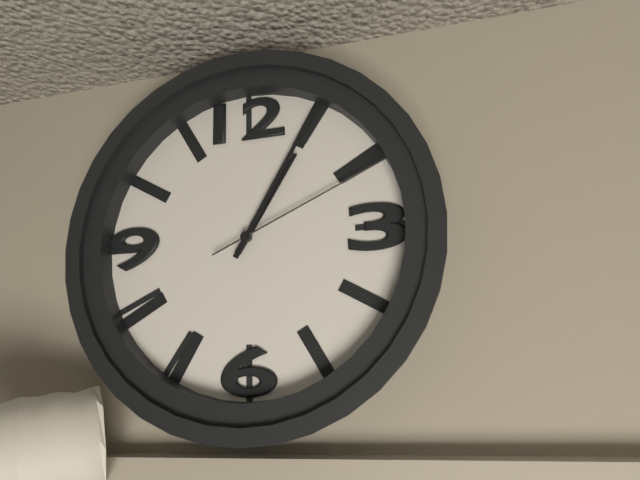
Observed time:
1:05:11
